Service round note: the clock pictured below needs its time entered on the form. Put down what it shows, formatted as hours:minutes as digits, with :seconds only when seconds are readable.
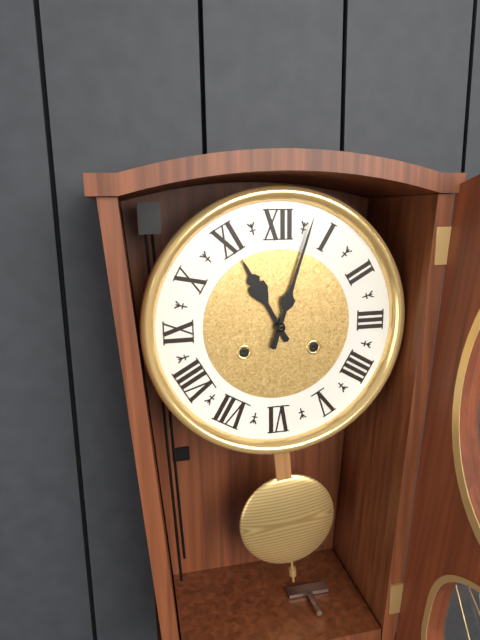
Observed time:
11:03
